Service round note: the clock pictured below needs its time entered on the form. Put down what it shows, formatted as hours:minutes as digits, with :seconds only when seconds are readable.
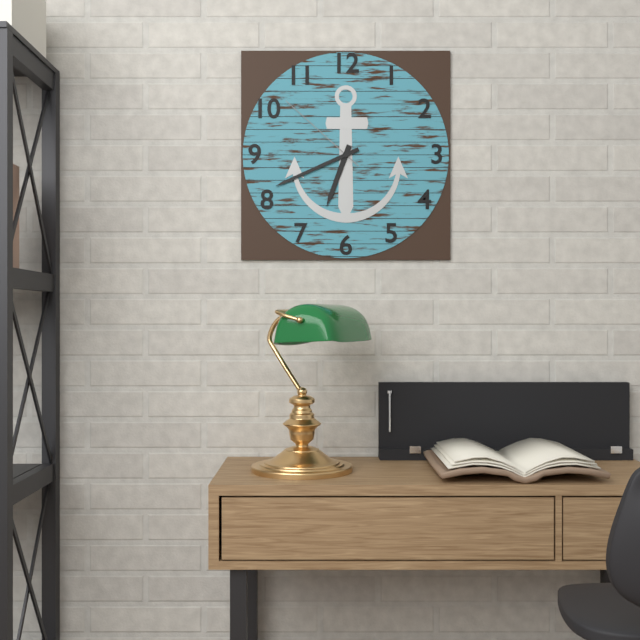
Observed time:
6:41:52
